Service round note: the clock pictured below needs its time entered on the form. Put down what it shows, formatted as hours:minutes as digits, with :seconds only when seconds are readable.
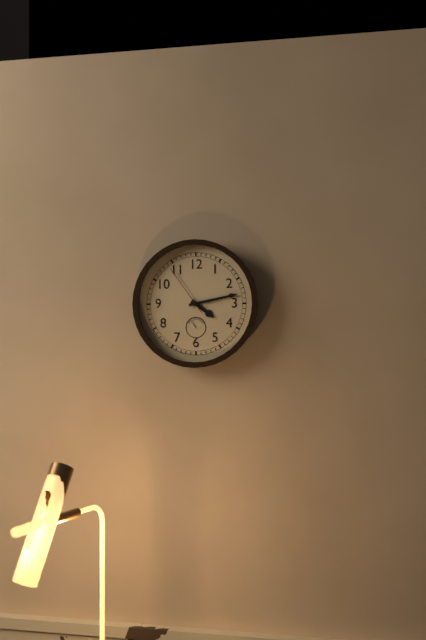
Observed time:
4:13:54
